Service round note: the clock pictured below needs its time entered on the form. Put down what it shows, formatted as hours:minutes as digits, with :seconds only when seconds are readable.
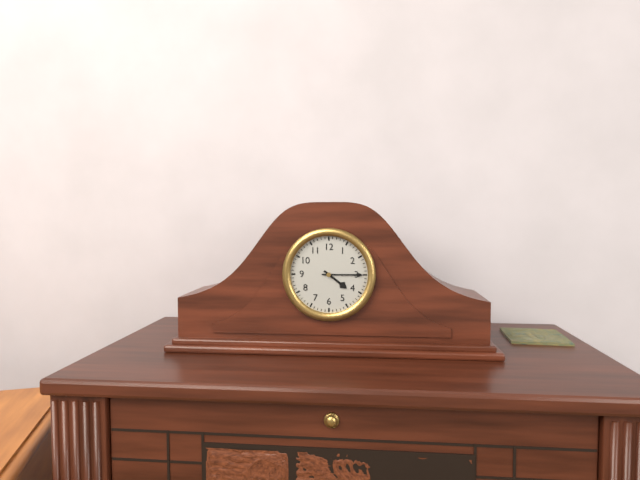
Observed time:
4:15
